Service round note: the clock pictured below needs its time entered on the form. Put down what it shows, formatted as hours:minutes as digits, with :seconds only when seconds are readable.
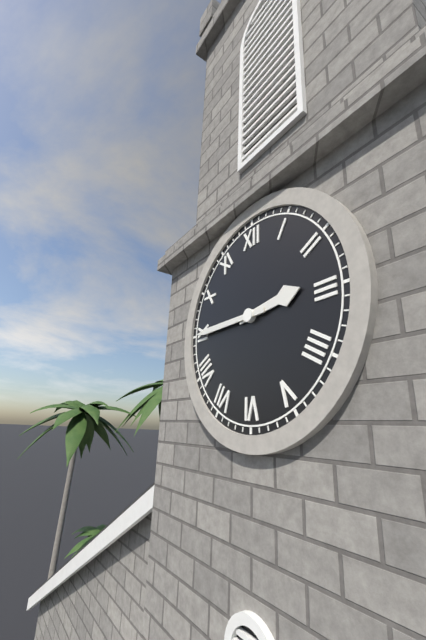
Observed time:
2:45
